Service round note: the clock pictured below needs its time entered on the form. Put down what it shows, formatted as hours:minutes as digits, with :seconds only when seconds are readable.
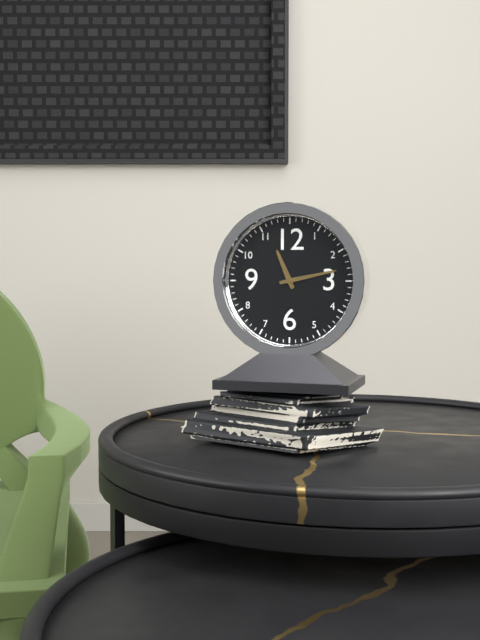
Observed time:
11:13
